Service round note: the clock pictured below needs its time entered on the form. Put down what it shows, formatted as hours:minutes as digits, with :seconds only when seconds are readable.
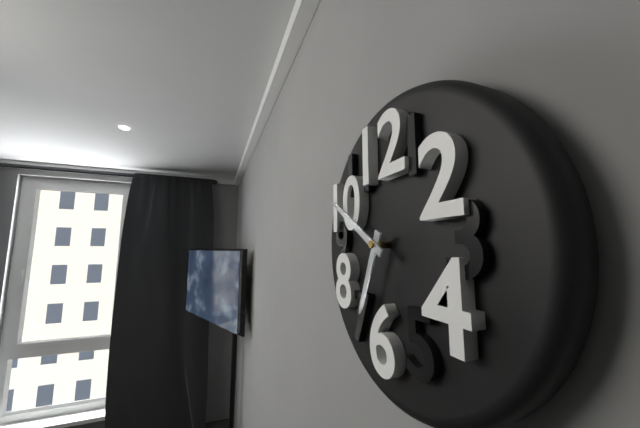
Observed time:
6:50
